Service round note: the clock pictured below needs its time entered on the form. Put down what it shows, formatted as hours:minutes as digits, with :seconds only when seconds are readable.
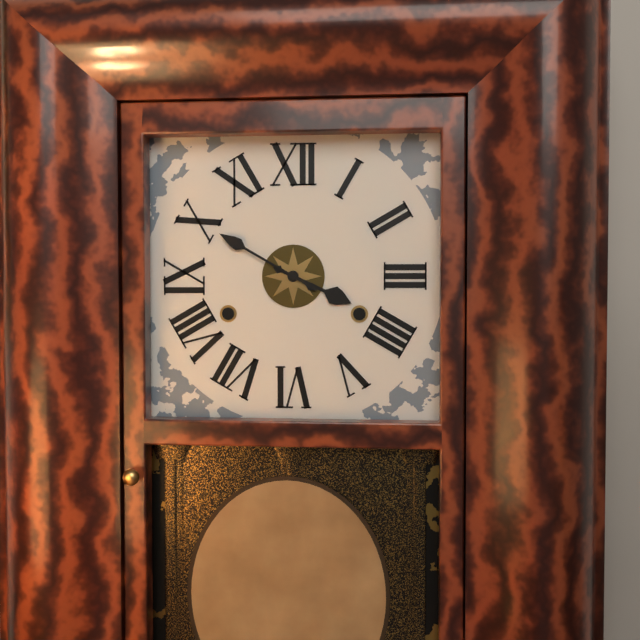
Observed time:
3:50
